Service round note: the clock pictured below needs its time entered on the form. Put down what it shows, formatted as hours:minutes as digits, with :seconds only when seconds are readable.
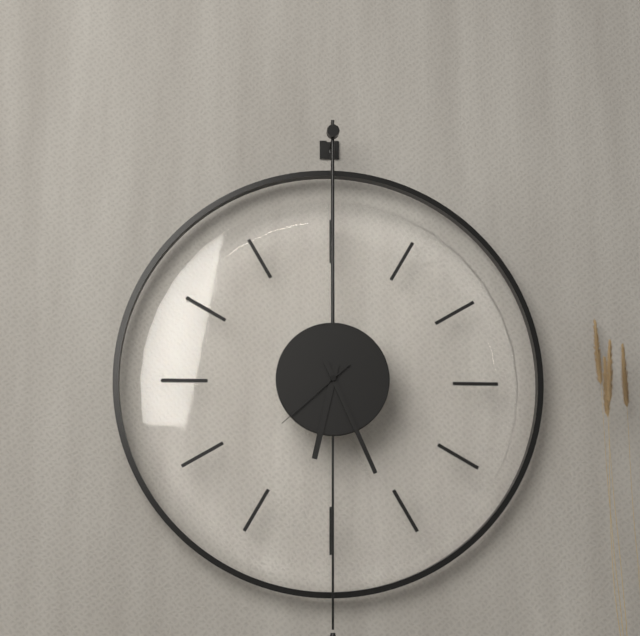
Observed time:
6:26:38
